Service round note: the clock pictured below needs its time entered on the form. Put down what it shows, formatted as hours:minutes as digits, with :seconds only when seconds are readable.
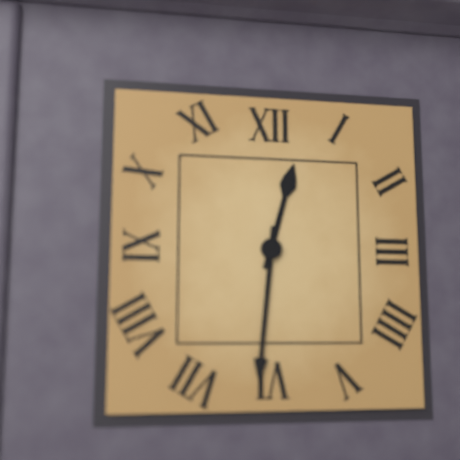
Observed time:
12:31
